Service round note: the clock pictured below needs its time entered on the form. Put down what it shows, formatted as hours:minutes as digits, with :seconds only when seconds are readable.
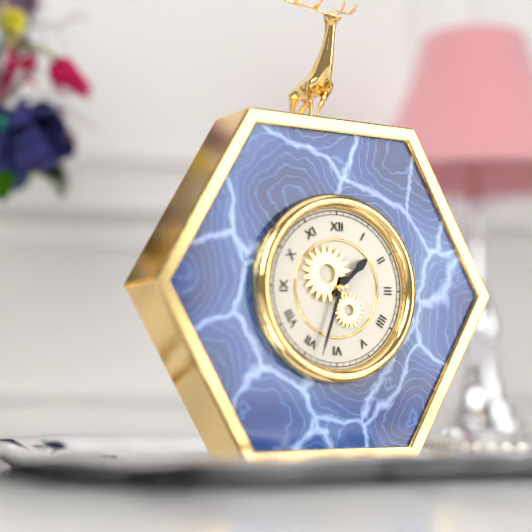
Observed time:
1:33
